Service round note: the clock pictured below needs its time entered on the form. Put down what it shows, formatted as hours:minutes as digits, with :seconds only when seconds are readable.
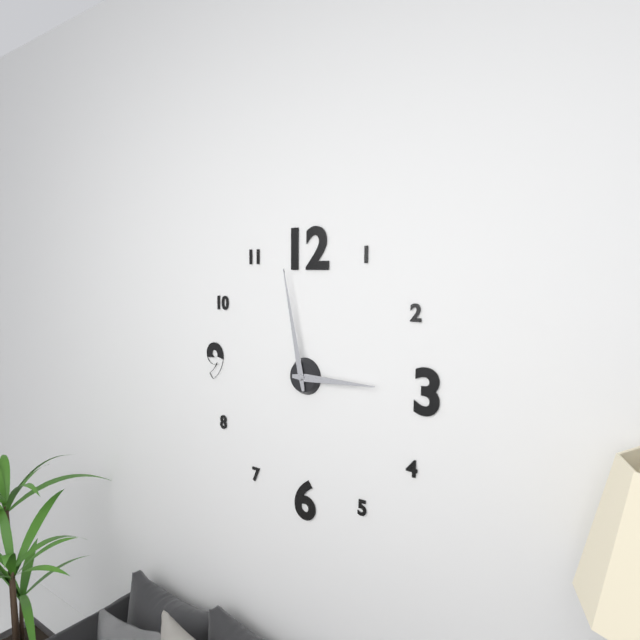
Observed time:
2:58
